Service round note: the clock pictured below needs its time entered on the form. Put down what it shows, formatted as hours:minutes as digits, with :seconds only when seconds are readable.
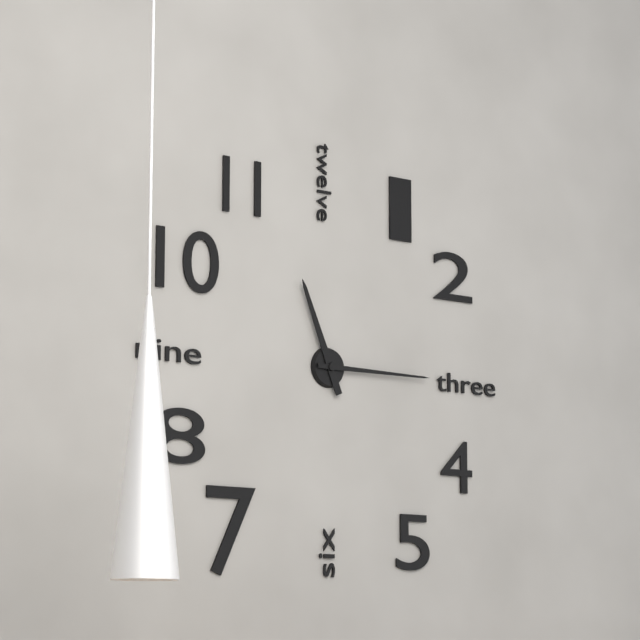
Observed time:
11:15
